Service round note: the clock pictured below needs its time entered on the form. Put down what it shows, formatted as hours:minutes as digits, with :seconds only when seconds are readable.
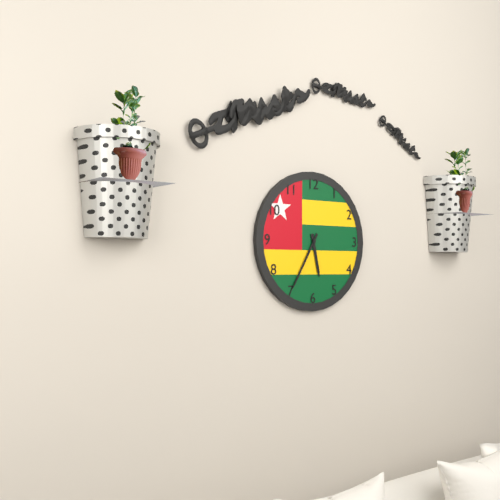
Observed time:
5:35
